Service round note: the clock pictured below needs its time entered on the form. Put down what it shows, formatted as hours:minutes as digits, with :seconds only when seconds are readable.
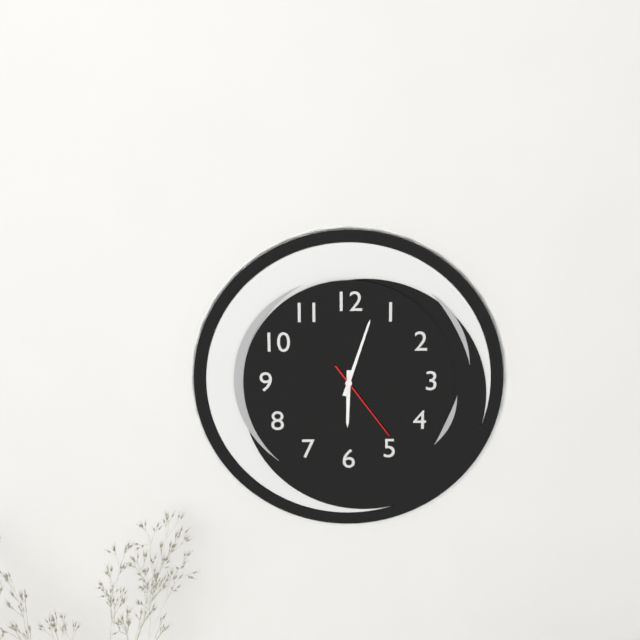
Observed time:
6:03:24
